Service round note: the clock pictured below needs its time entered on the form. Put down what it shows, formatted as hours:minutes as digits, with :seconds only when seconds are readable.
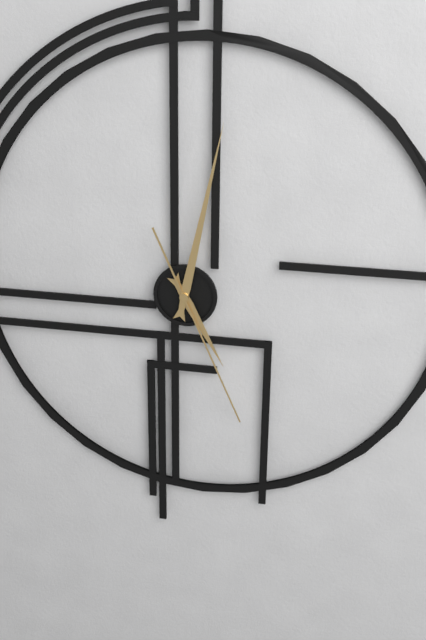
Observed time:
5:02:26
